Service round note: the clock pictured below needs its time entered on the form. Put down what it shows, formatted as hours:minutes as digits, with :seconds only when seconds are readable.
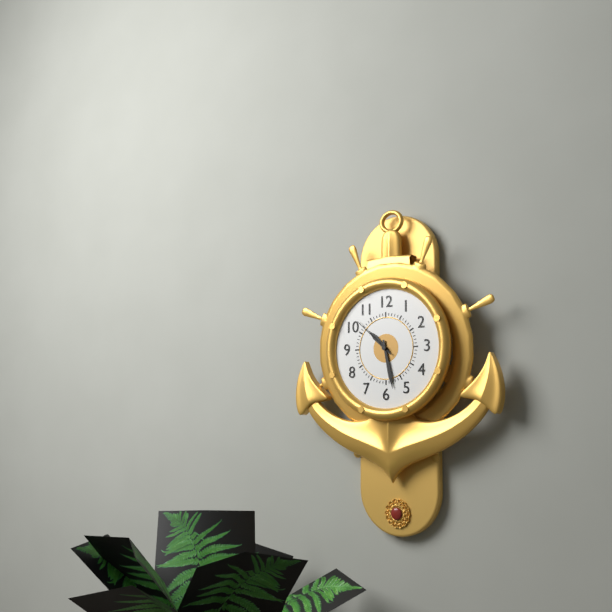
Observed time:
10:28
